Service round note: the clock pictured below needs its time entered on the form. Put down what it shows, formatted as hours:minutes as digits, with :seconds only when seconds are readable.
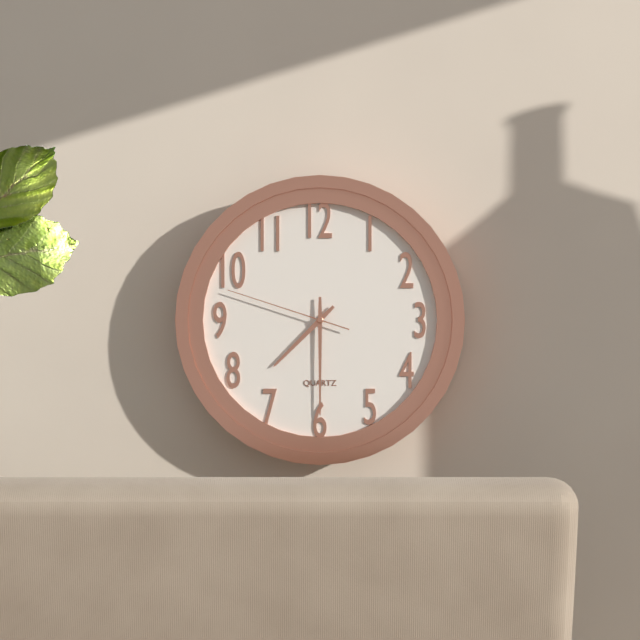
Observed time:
7:30:48
